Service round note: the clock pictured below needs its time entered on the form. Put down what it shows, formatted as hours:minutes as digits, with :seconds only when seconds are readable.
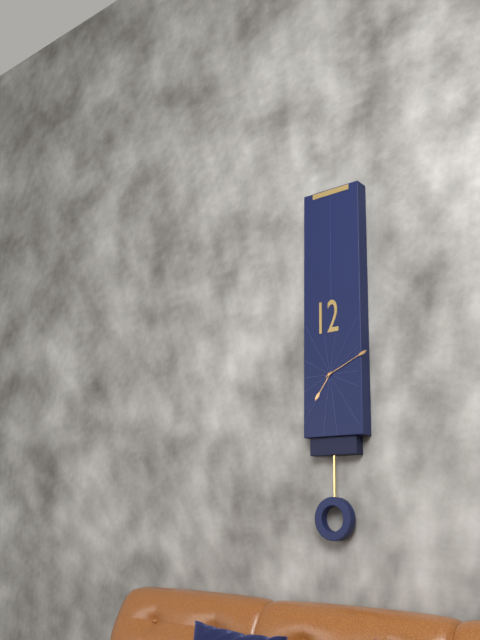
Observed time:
7:11
